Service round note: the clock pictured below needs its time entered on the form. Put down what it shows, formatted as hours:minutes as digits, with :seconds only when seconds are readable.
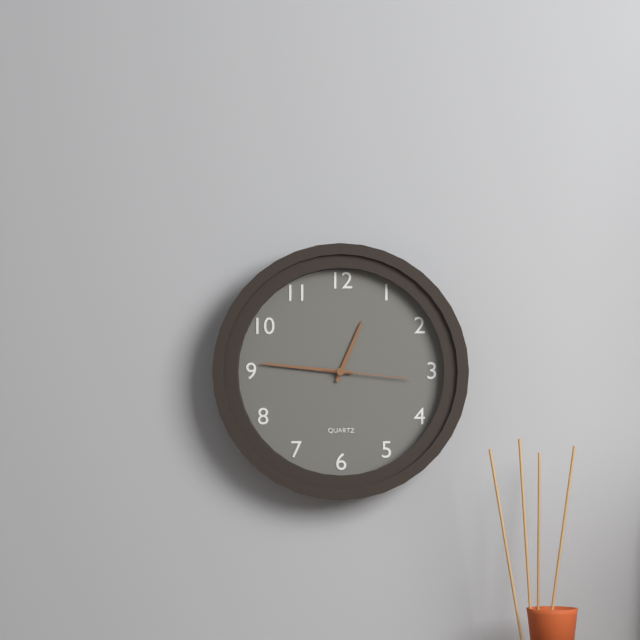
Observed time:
12:46:16
